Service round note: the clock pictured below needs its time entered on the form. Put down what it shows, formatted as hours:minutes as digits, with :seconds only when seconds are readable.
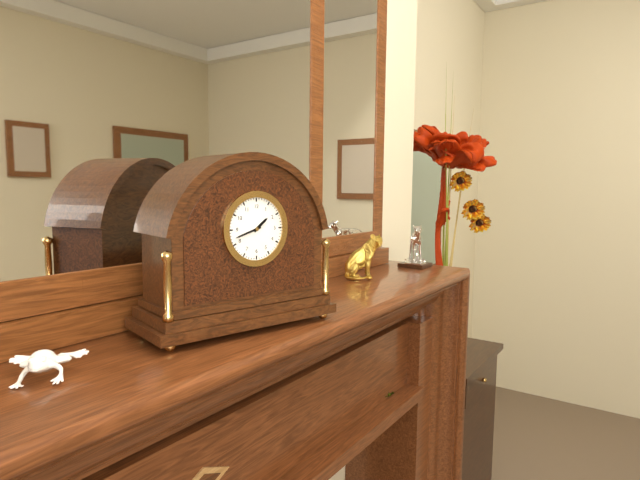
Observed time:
1:42
